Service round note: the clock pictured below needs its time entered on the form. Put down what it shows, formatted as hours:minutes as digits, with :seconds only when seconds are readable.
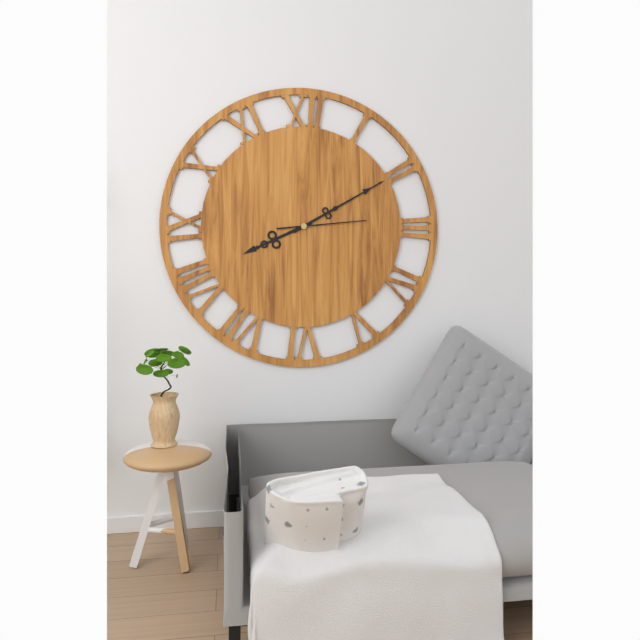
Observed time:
8:10:14
